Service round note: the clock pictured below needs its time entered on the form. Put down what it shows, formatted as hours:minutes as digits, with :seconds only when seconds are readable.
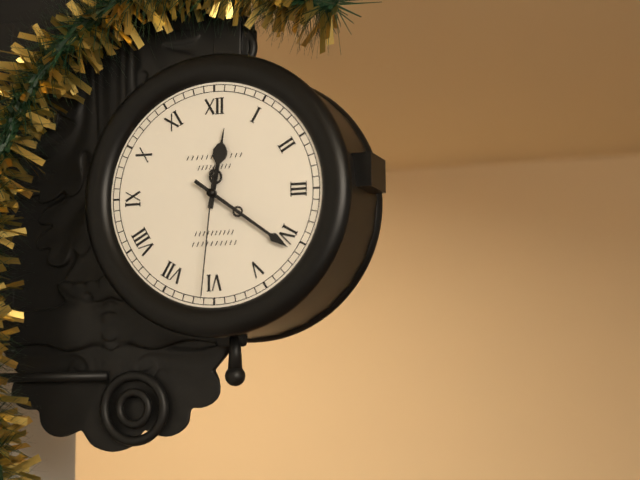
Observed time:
12:21:31
